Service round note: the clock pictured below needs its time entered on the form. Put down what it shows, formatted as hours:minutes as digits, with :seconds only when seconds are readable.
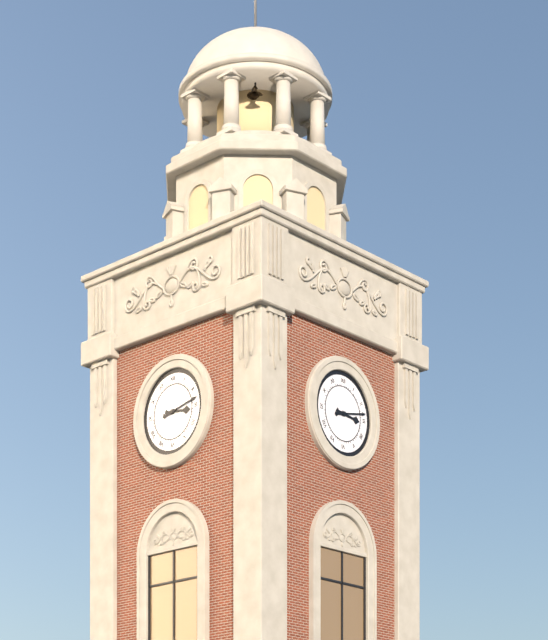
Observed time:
3:13
